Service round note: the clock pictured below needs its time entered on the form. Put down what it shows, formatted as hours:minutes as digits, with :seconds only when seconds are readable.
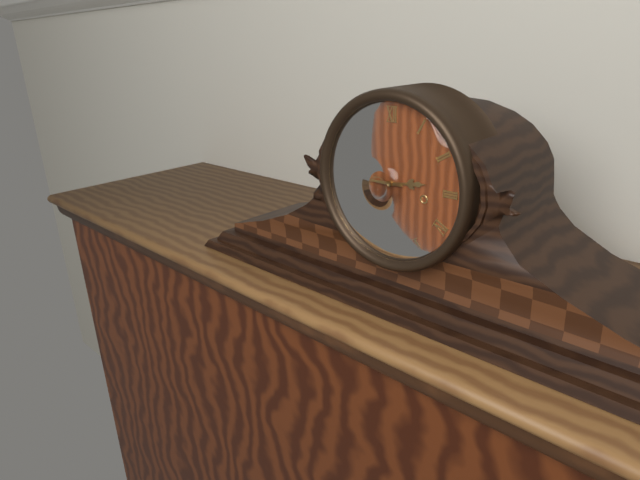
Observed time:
2:45
